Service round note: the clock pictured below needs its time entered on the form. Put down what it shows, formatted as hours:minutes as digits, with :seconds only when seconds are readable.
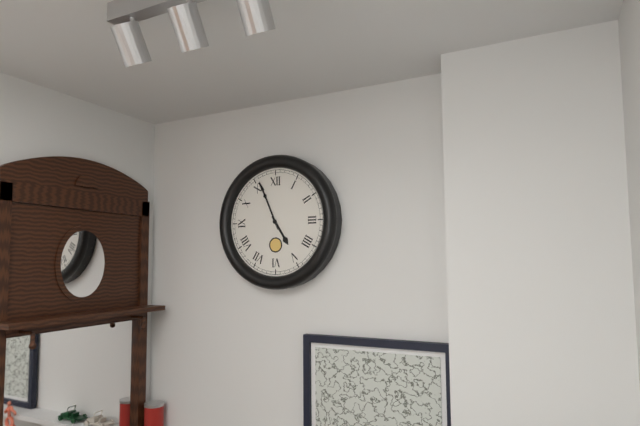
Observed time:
4:56
